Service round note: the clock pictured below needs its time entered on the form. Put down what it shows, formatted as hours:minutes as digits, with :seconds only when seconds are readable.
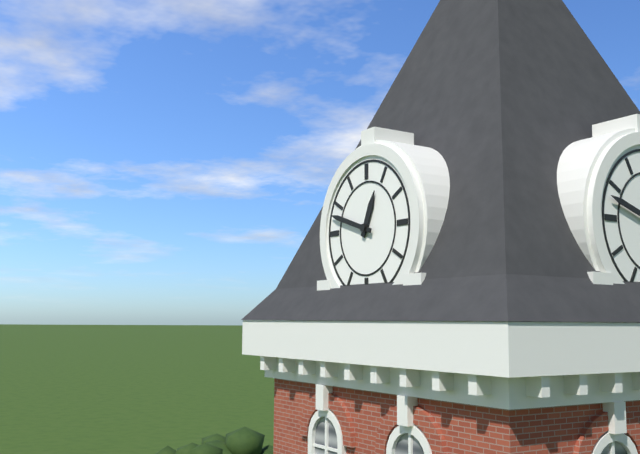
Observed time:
12:48
